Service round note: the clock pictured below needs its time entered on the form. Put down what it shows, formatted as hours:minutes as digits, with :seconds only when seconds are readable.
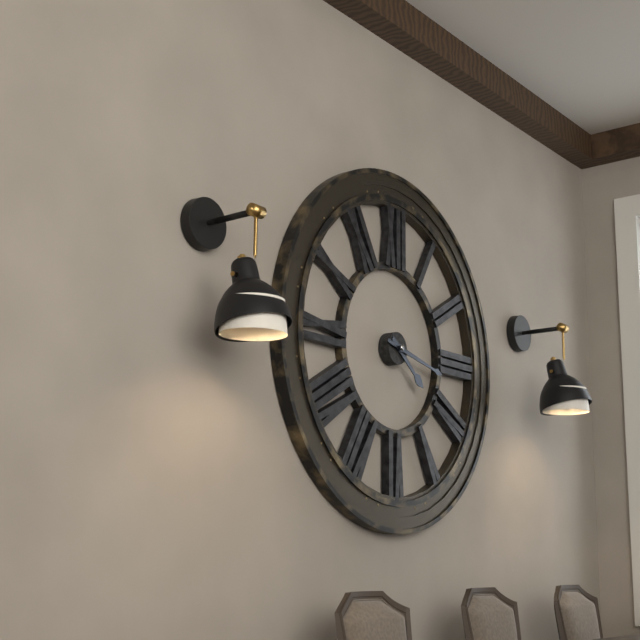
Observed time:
4:17
